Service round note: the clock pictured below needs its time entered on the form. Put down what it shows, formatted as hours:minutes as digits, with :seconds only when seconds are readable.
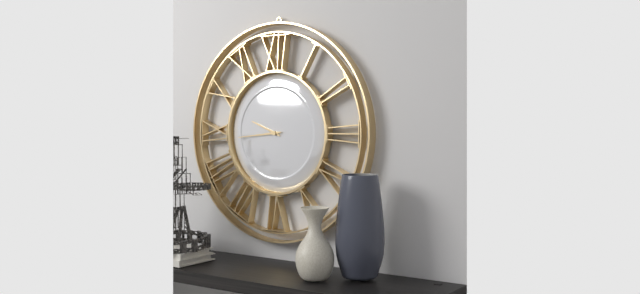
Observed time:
9:44
